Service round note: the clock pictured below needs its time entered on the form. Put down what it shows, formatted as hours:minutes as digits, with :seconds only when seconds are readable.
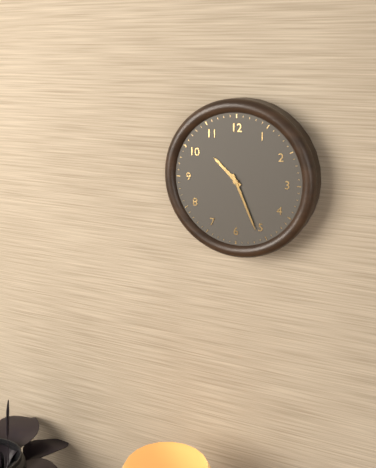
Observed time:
10:26
